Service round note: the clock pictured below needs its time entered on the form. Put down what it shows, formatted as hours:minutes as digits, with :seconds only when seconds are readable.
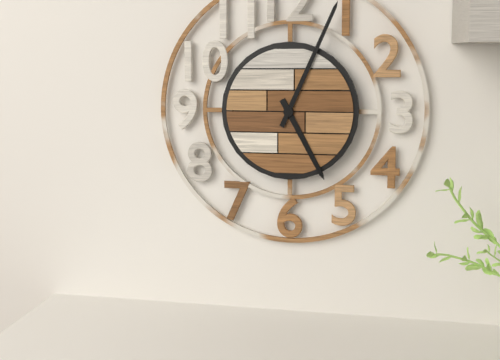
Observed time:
5:04
